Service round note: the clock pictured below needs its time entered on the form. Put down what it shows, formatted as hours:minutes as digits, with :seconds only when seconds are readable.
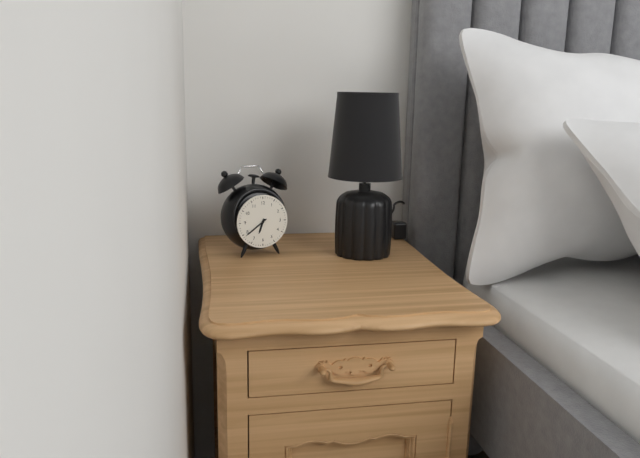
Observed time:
6:39
